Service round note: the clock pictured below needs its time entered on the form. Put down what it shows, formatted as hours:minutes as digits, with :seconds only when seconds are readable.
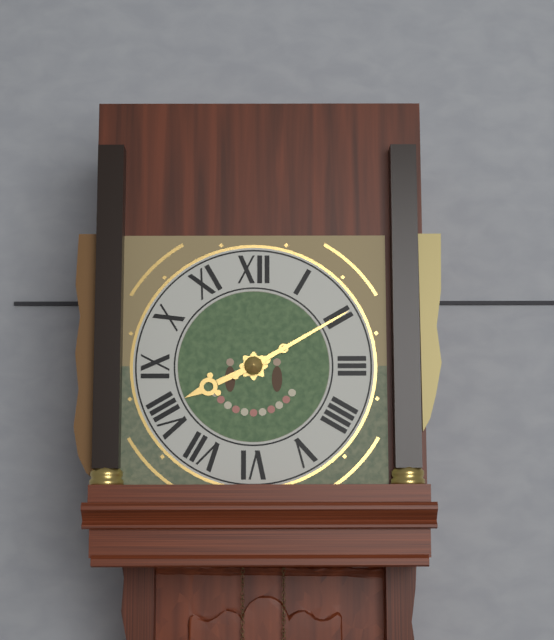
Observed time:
8:10
